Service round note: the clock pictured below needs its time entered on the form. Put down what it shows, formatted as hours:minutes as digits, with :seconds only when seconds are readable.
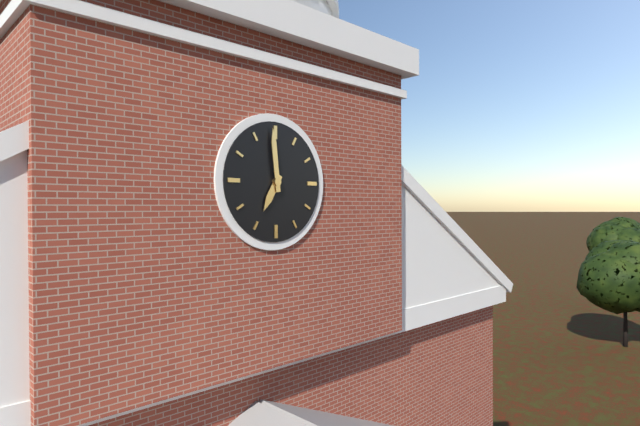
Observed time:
6:59
